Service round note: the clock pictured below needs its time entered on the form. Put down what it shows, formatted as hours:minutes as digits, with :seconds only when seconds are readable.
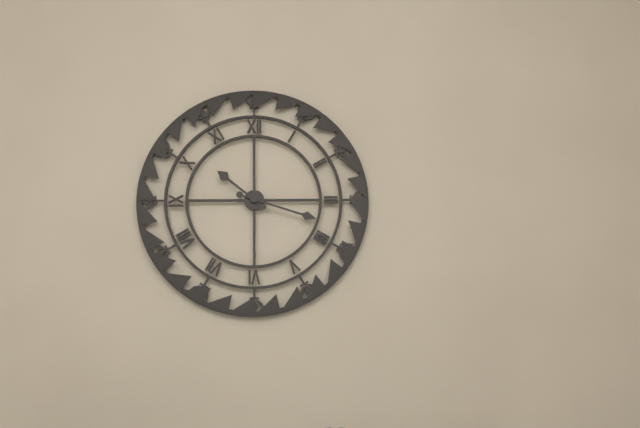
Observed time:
10:18
